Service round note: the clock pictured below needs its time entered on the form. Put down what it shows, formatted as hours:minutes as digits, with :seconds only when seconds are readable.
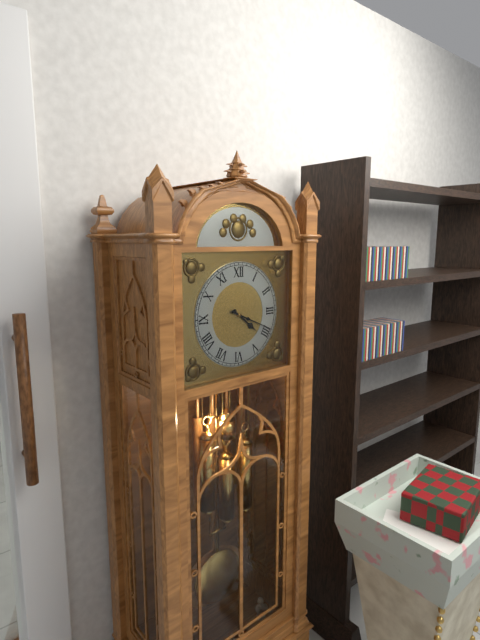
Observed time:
4:19
